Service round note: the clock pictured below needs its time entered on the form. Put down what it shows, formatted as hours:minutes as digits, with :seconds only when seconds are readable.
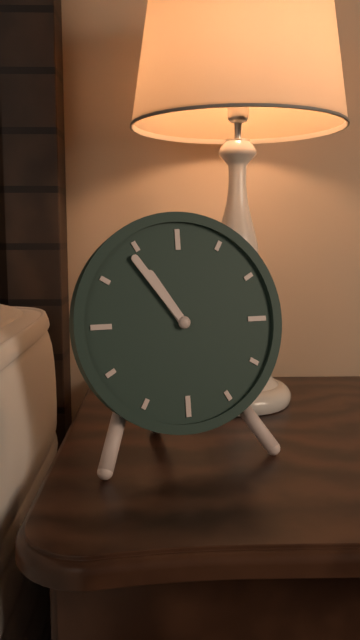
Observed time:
10:54
